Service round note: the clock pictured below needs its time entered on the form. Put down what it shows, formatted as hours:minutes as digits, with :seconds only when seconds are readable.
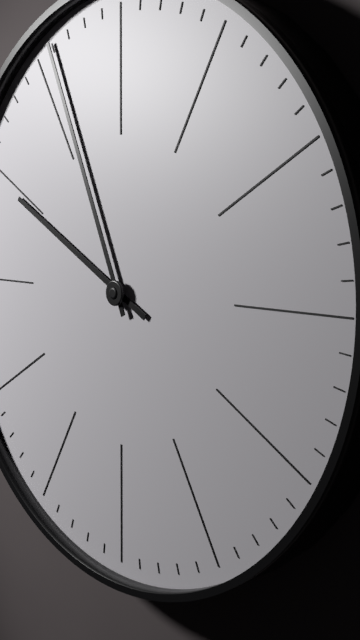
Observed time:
9:56
